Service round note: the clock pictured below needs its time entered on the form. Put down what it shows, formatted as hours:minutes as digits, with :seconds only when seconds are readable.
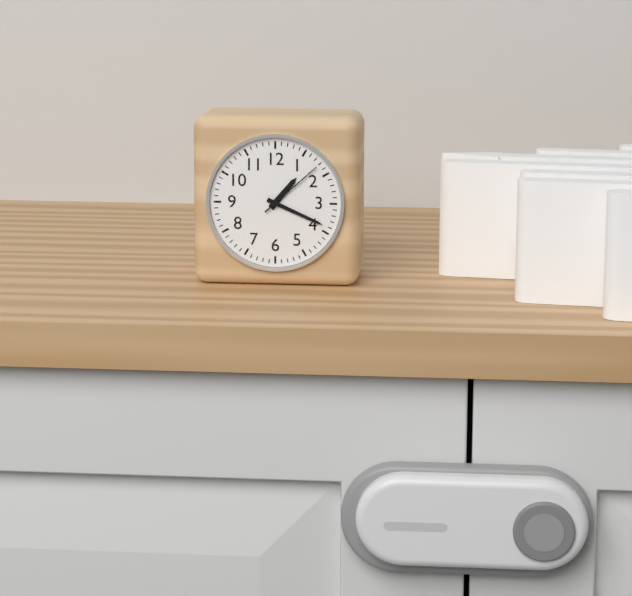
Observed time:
1:19:08
